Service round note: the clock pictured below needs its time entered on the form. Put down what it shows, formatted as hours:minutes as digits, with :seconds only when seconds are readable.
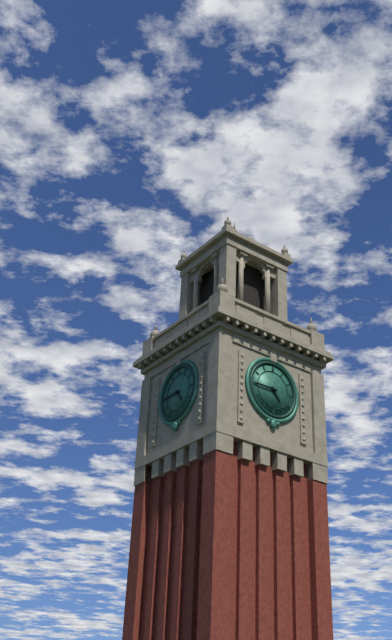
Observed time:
4:45
